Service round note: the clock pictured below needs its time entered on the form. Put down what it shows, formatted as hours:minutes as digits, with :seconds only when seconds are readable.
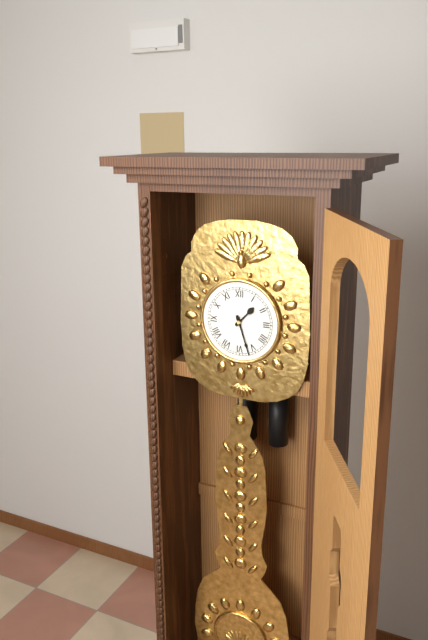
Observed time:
1:27
